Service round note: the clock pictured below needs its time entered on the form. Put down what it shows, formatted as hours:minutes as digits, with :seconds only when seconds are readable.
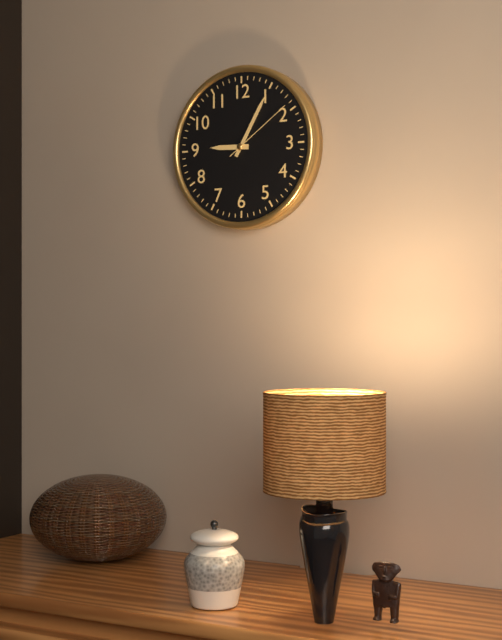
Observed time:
9:05:09
